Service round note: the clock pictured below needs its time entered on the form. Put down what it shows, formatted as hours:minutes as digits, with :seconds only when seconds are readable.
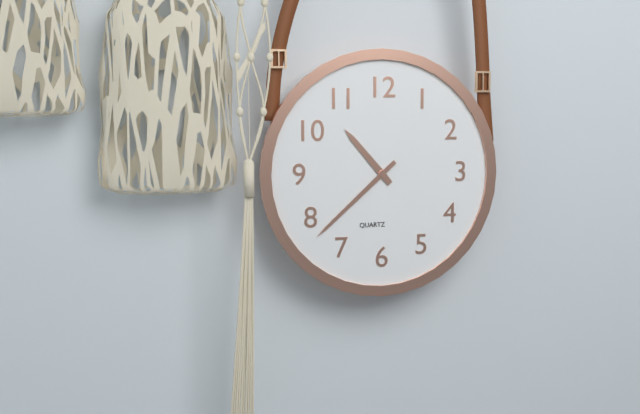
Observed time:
10:38
